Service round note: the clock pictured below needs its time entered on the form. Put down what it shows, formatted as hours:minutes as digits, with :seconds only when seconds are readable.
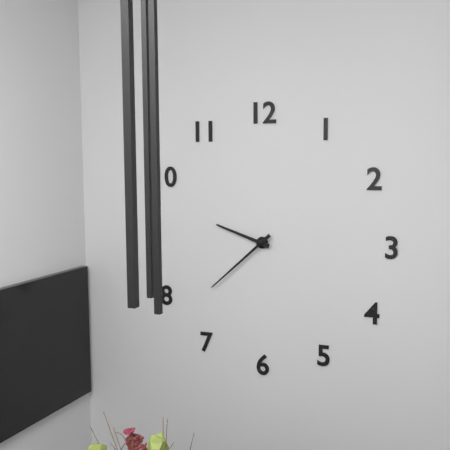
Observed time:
9:38
